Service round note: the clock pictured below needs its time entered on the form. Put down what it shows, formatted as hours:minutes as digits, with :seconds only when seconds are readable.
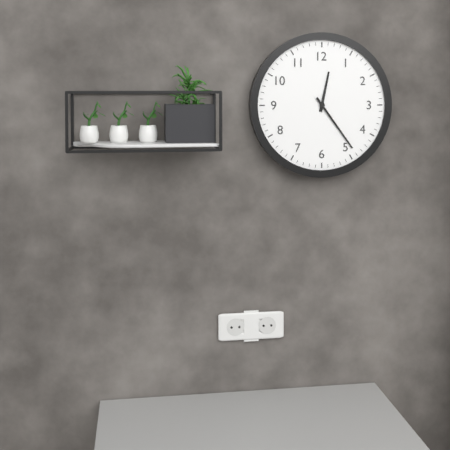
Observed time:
12:24
